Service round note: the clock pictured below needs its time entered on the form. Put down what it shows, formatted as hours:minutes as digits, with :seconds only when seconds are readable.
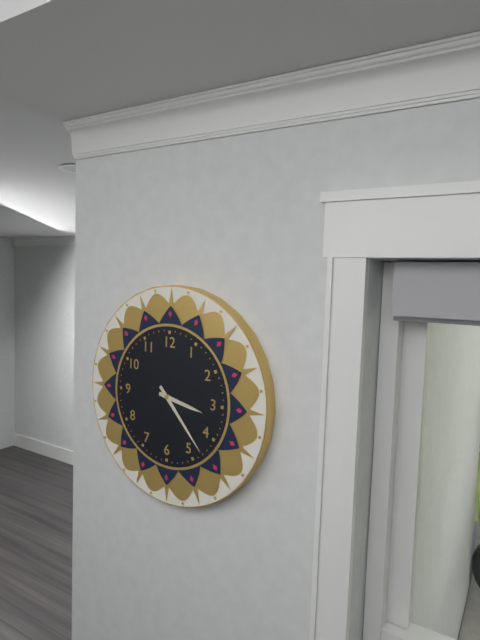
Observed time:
3:23
